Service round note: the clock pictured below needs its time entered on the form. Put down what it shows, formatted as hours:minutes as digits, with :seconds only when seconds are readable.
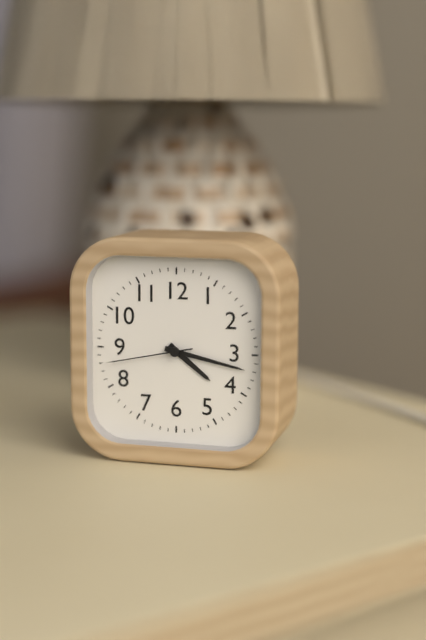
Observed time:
4:17:43
